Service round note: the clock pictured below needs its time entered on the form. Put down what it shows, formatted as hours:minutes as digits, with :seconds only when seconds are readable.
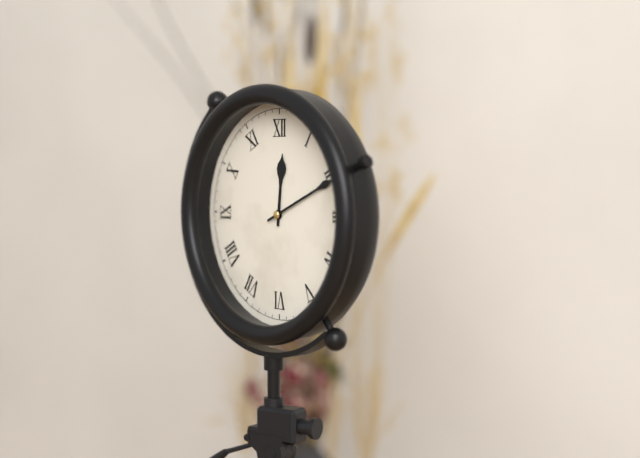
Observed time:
12:11
